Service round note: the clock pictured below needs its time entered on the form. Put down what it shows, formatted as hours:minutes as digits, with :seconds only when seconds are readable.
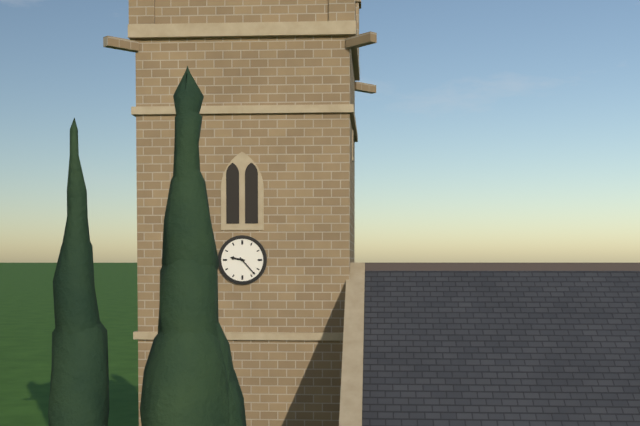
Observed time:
9:23
